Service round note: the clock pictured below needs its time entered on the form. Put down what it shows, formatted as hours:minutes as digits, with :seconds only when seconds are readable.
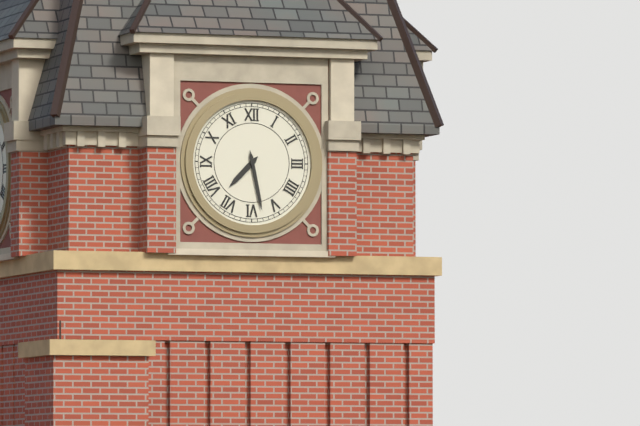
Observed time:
7:28
